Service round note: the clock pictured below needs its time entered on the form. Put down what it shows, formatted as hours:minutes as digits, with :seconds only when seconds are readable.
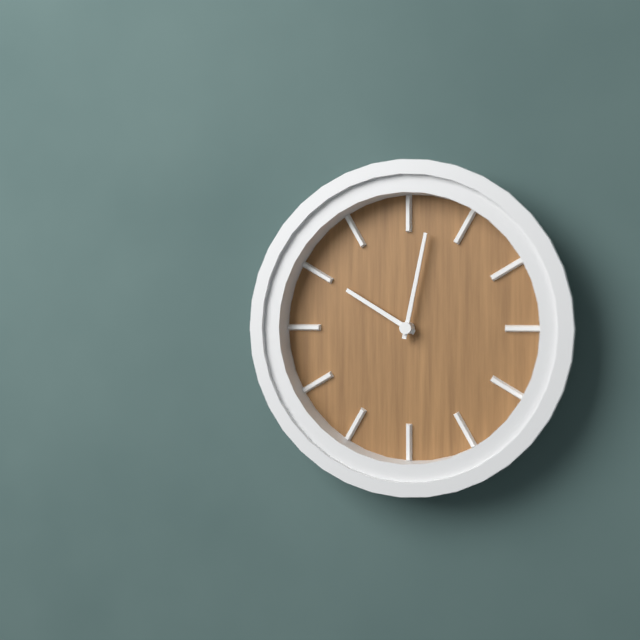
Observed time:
10:02
